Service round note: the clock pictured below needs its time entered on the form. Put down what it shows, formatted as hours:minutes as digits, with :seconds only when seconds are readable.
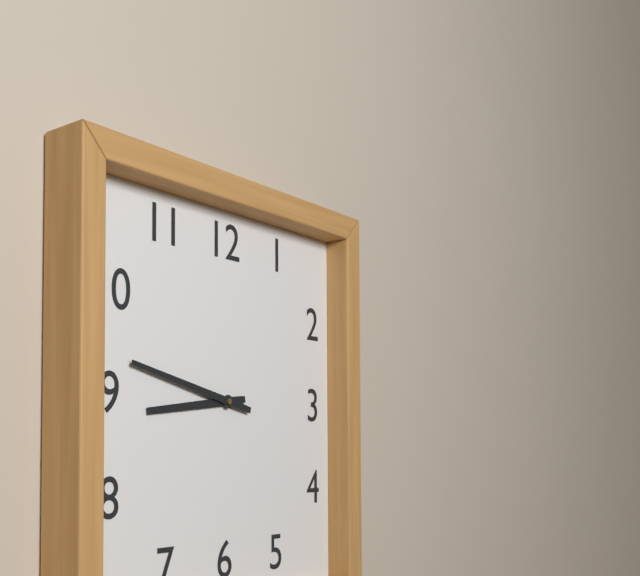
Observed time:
8:47
